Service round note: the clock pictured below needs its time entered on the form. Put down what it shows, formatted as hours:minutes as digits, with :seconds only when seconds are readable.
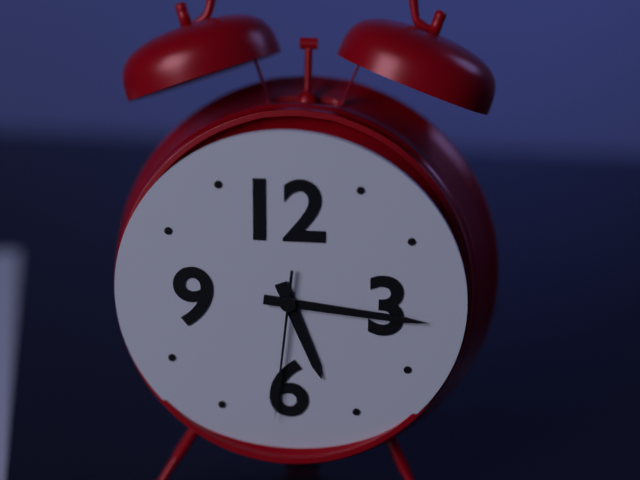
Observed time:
5:16:31
